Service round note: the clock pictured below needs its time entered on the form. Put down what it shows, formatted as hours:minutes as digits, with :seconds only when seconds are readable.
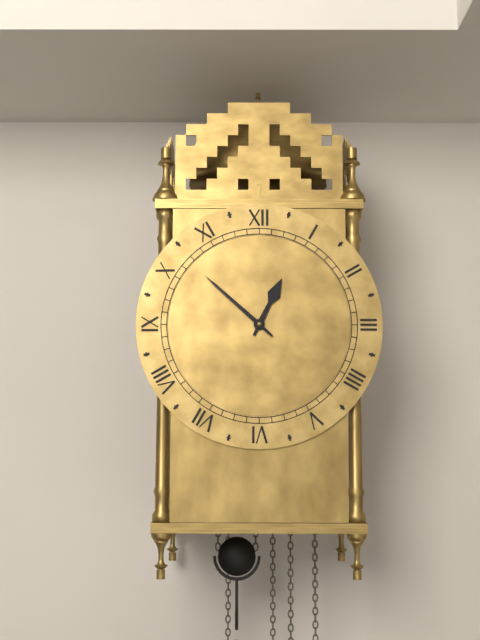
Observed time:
12:52
